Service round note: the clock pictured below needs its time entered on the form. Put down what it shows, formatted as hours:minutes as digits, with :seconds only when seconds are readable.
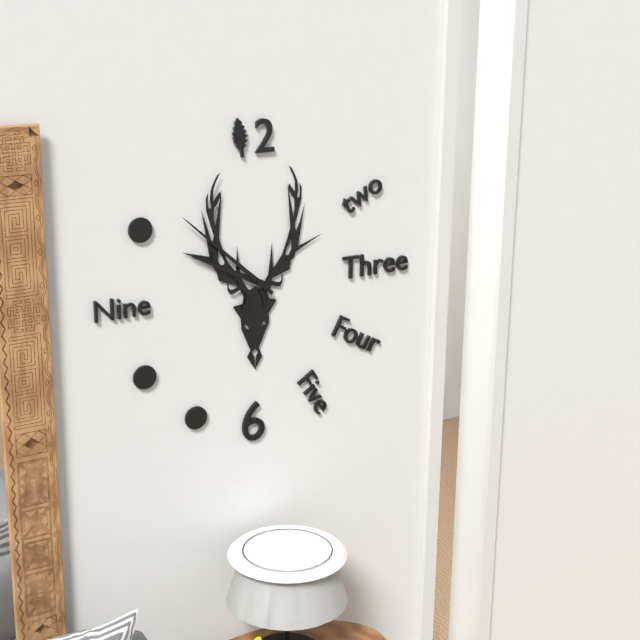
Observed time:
9:52
